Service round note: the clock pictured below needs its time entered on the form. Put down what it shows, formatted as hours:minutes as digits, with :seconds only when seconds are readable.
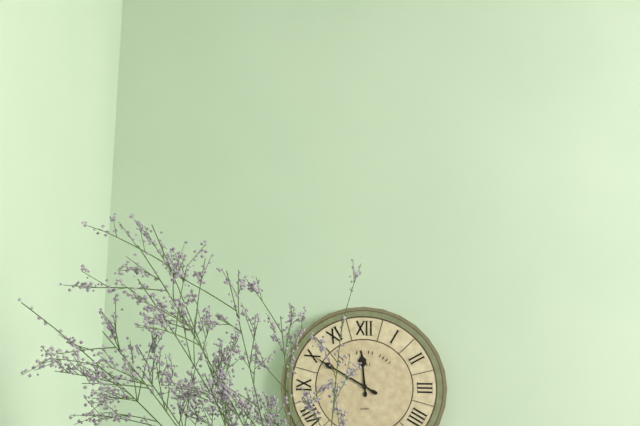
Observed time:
11:50
